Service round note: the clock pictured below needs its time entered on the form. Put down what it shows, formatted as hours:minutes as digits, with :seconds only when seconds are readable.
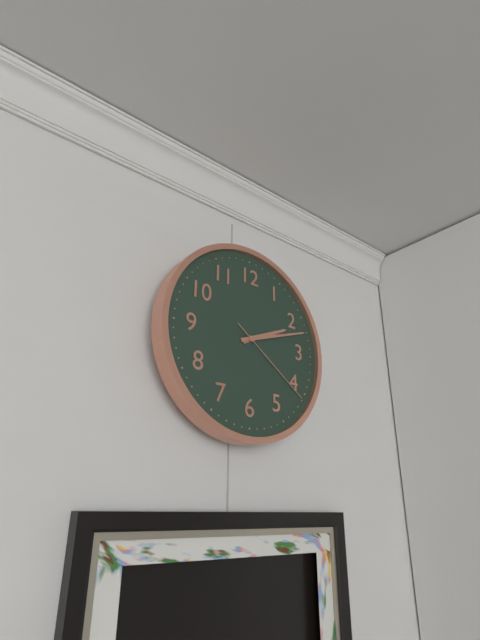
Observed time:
2:12:21
